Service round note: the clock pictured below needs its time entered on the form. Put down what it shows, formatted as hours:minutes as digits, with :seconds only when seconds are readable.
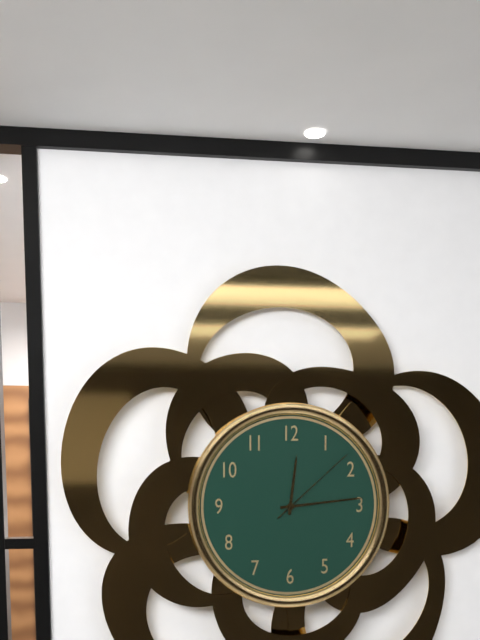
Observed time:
12:14:08
